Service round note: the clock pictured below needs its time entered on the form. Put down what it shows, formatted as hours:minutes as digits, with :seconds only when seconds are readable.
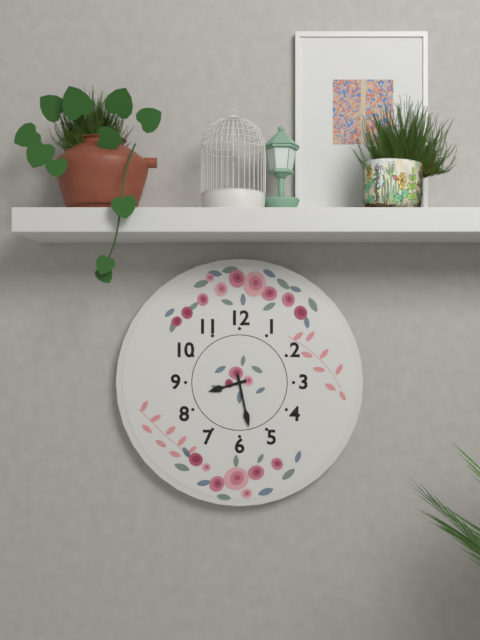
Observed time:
8:28
